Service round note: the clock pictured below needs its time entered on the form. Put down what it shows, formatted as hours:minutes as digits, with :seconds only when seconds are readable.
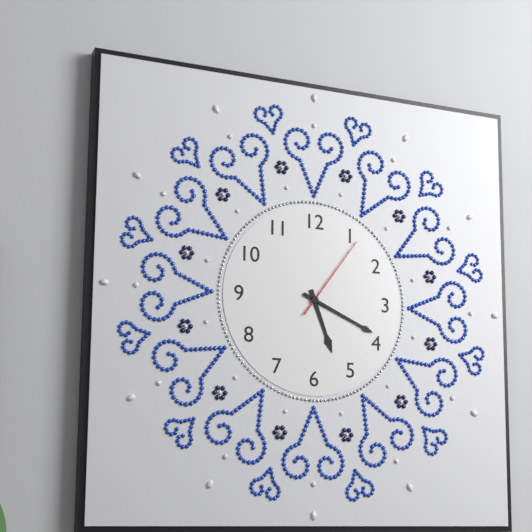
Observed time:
5:19:06
